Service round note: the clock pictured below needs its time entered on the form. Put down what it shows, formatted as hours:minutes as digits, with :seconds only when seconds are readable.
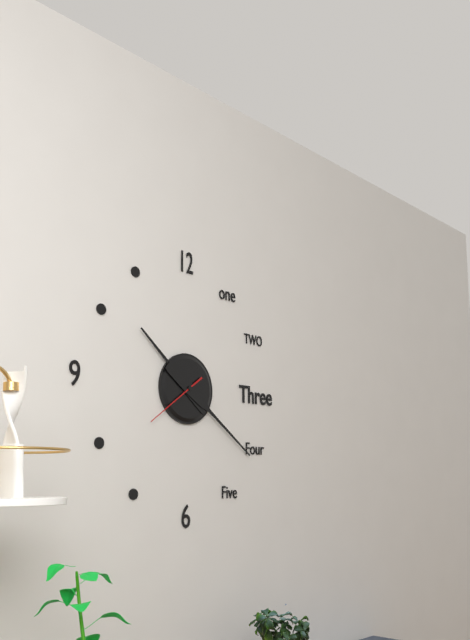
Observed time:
10:21:39
